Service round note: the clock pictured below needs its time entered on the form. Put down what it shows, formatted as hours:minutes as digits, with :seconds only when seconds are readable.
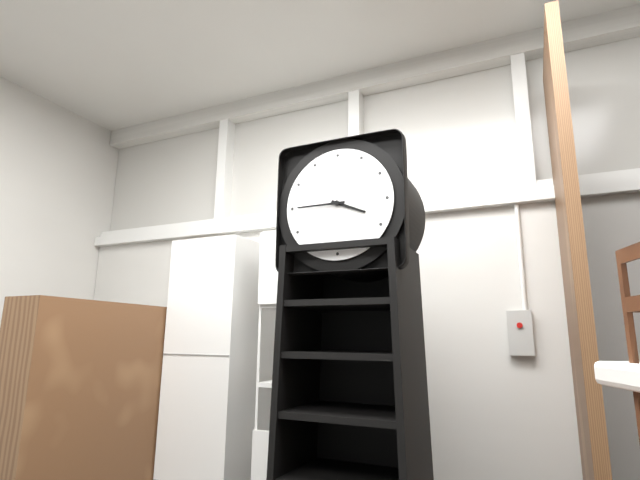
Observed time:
3:45
